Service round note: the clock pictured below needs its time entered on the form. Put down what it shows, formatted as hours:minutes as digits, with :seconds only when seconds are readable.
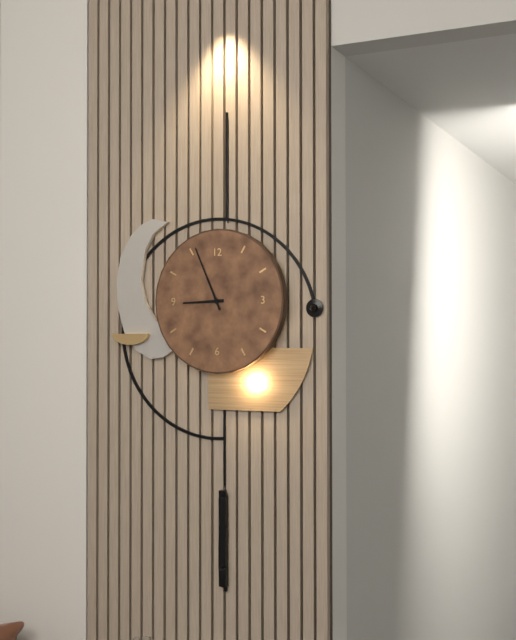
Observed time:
8:56
